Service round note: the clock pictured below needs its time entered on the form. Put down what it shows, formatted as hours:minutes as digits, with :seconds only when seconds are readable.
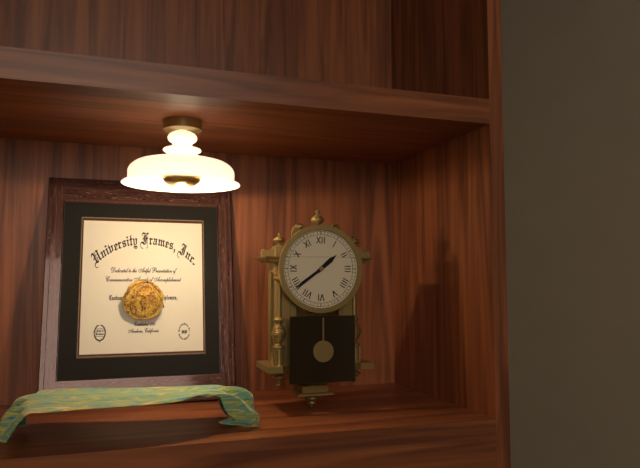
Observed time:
1:39
